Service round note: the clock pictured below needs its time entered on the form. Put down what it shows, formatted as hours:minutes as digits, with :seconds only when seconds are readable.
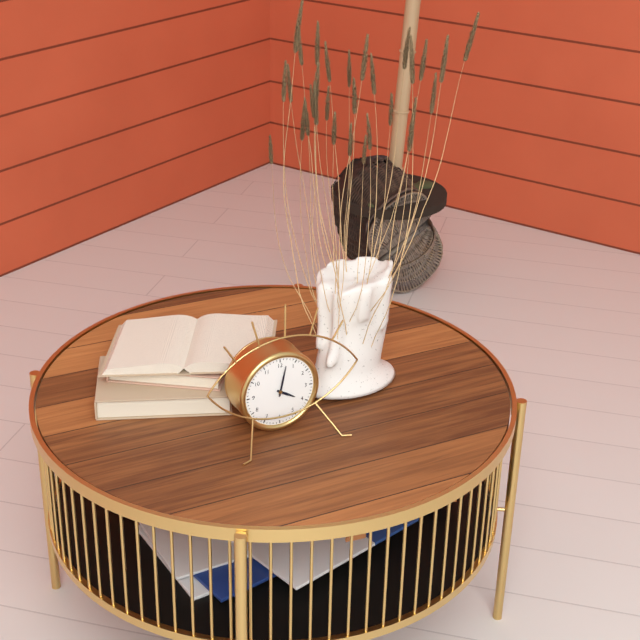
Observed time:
4:02
